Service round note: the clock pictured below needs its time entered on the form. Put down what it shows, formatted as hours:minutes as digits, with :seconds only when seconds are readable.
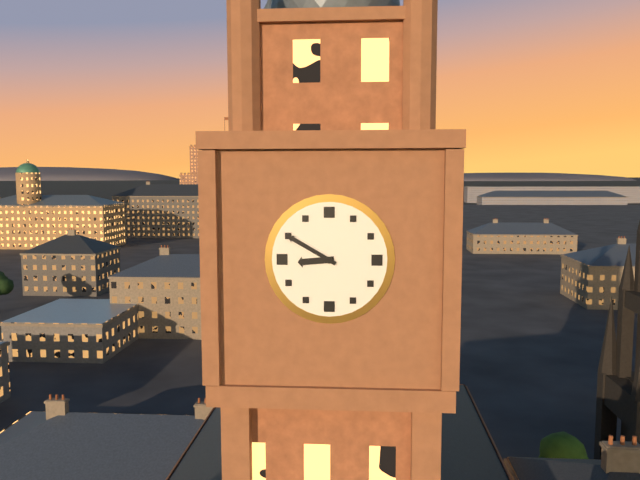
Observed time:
8:50
